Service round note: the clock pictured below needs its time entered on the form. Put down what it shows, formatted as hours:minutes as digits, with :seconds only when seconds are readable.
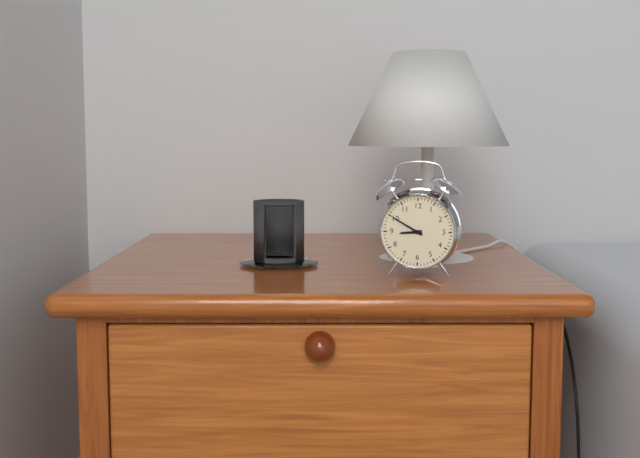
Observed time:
8:50
